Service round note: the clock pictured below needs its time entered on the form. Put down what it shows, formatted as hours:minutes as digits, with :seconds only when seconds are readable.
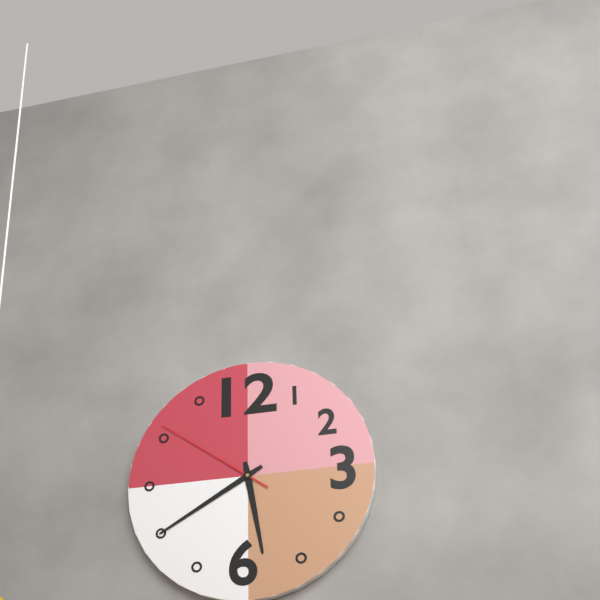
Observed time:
5:40:51
